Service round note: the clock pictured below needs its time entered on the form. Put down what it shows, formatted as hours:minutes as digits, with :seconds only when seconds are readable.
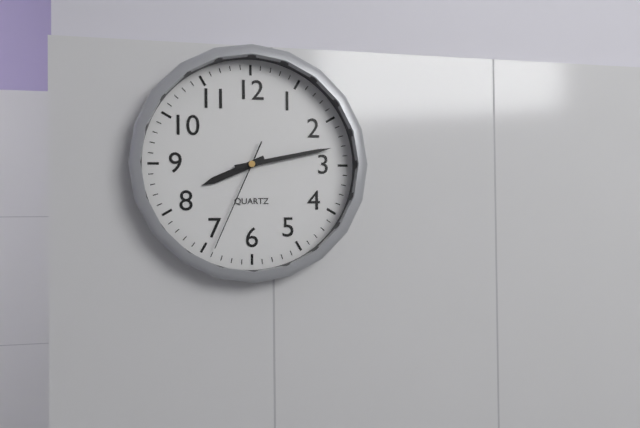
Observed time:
8:13:34
